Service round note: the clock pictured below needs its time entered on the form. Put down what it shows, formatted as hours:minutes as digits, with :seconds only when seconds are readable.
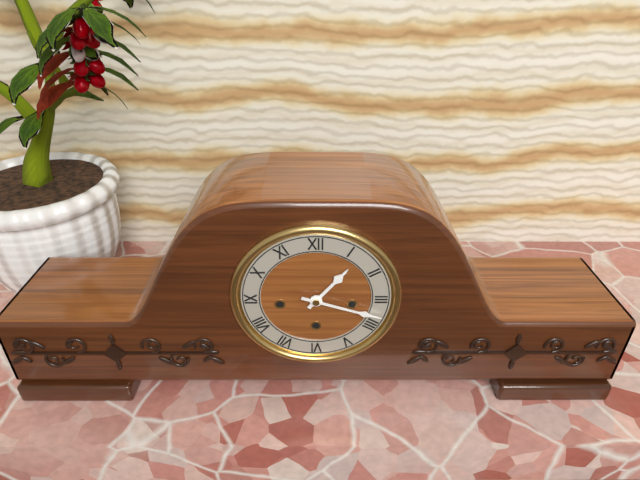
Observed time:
1:18
